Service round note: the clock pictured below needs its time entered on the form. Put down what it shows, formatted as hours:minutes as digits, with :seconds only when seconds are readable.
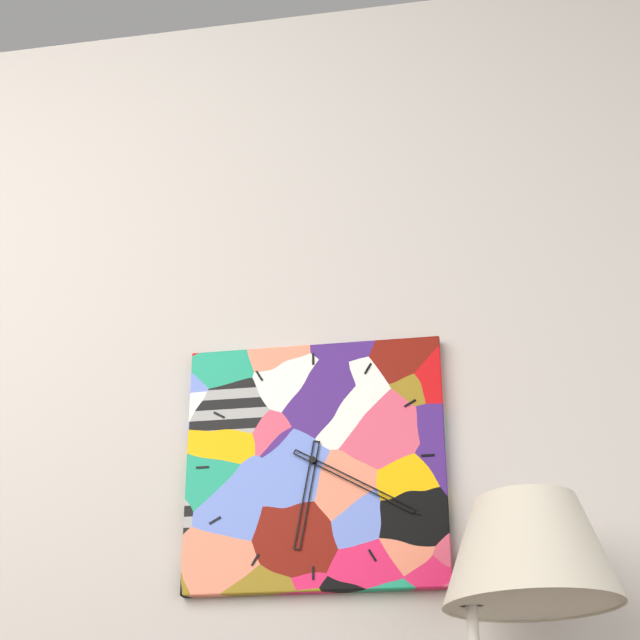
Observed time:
6:20
